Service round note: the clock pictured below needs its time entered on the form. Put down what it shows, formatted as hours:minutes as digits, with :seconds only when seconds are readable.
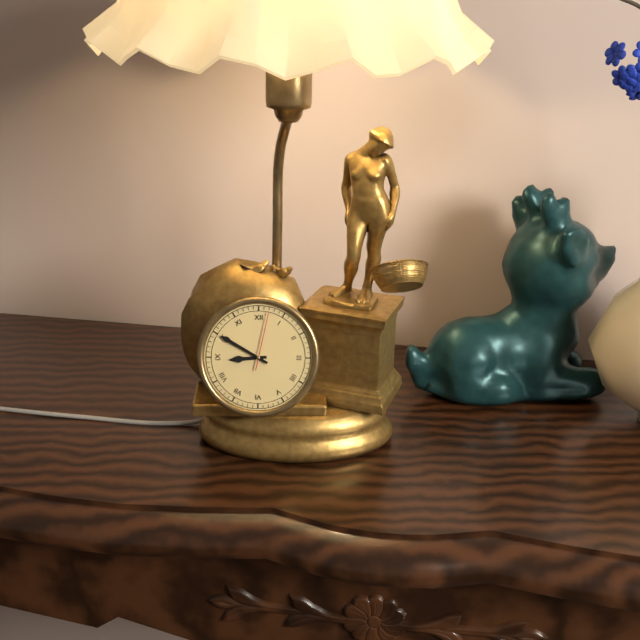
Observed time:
8:50:02
